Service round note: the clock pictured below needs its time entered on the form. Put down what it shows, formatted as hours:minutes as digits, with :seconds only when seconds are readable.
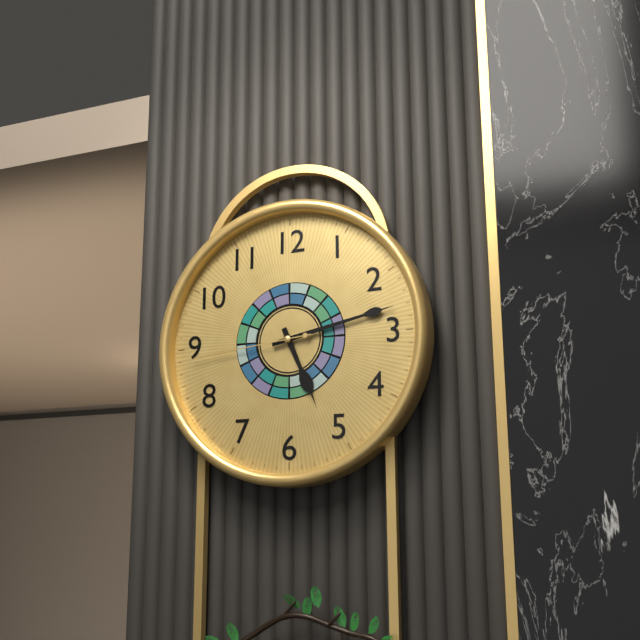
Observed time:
5:13:44
